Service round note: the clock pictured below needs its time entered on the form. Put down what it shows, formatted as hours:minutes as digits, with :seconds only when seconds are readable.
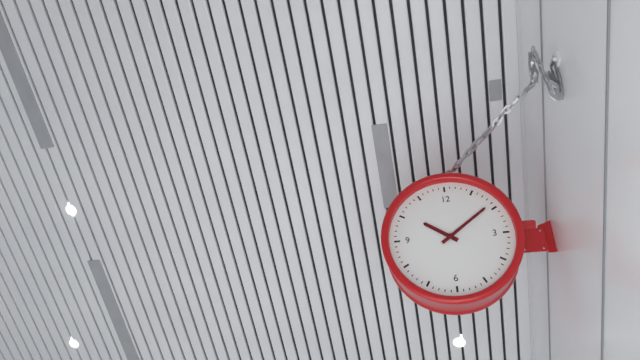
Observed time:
10:09
